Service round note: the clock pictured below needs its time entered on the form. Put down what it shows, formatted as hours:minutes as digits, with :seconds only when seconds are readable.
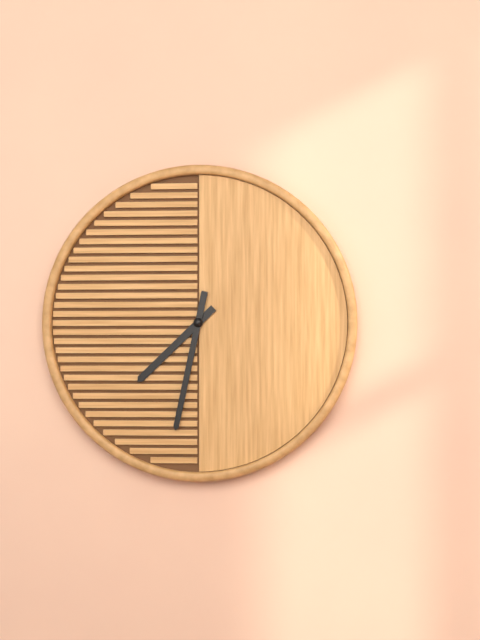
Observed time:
7:32
